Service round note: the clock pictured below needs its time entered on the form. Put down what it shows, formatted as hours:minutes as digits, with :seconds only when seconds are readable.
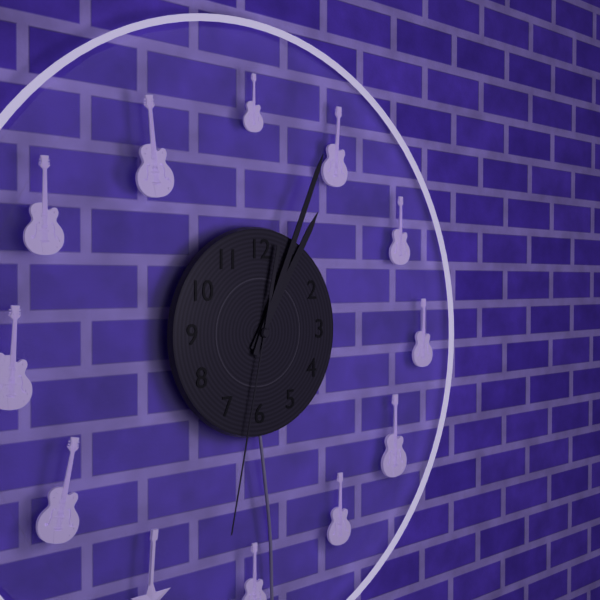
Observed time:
1:04:32
